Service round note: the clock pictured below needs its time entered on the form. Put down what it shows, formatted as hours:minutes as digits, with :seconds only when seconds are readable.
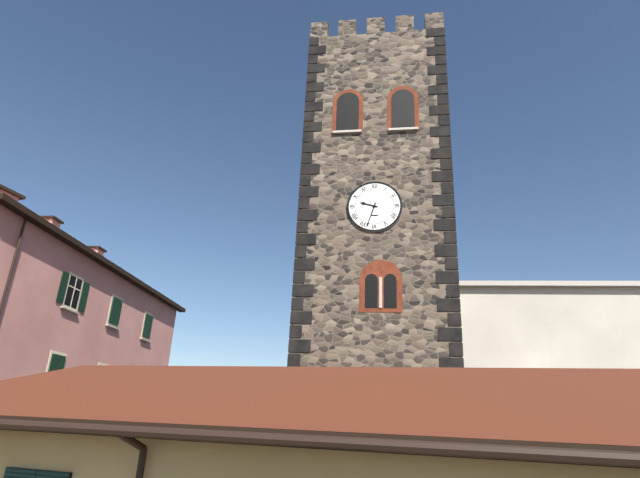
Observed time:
9:33
